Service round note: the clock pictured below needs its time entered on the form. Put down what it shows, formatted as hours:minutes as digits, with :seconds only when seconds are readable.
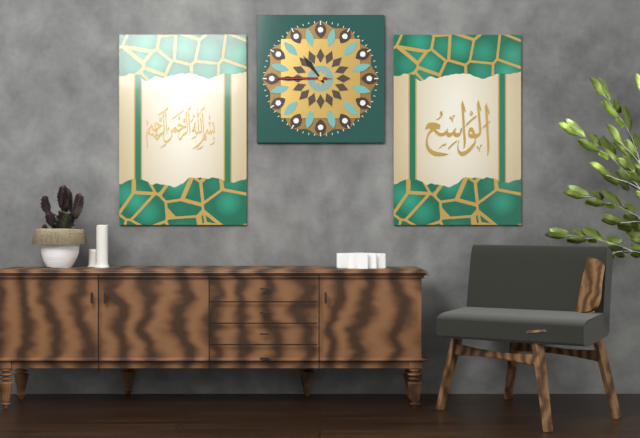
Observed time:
10:45:45
